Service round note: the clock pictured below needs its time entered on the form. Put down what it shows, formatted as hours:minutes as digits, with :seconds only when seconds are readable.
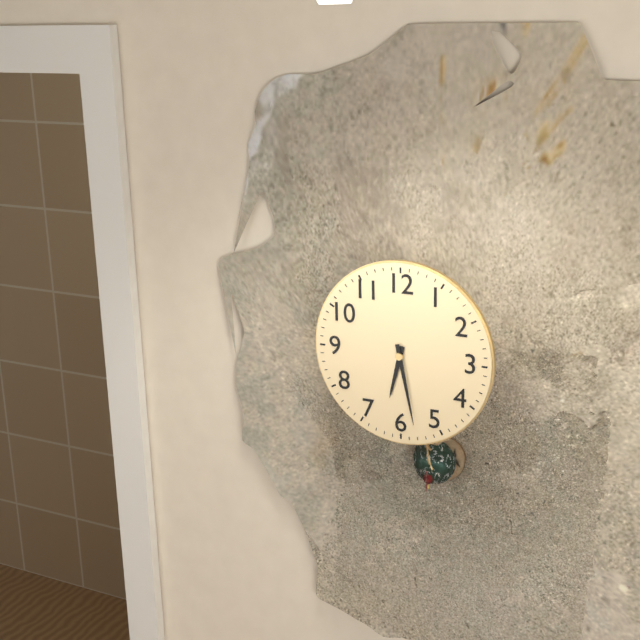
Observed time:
6:28
